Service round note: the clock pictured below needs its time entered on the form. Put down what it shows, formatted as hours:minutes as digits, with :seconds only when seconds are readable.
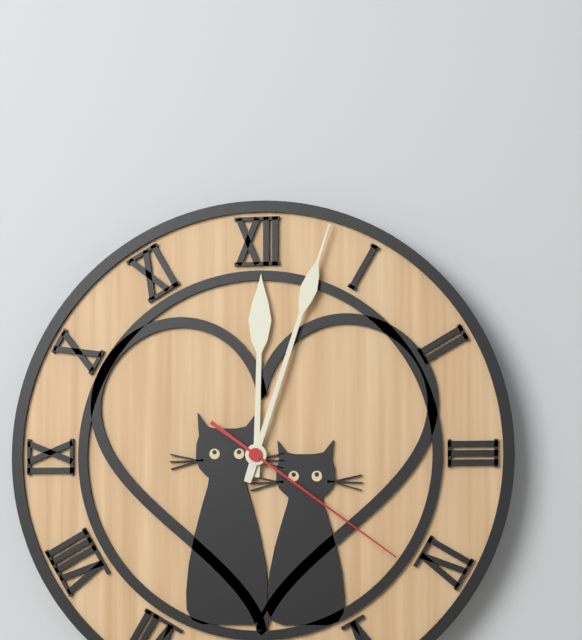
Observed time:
12:03:21
